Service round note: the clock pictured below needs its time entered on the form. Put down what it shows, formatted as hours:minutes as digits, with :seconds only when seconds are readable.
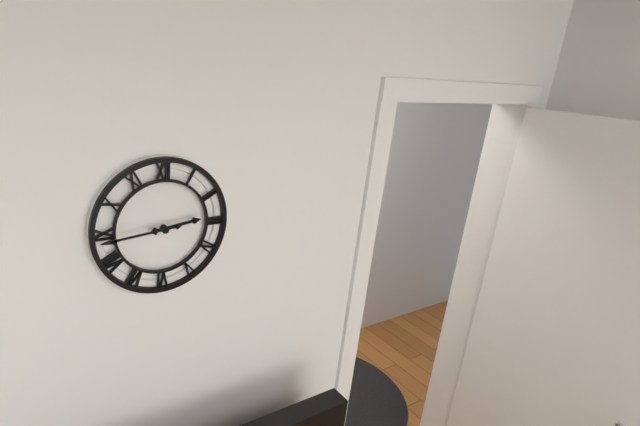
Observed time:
2:44
